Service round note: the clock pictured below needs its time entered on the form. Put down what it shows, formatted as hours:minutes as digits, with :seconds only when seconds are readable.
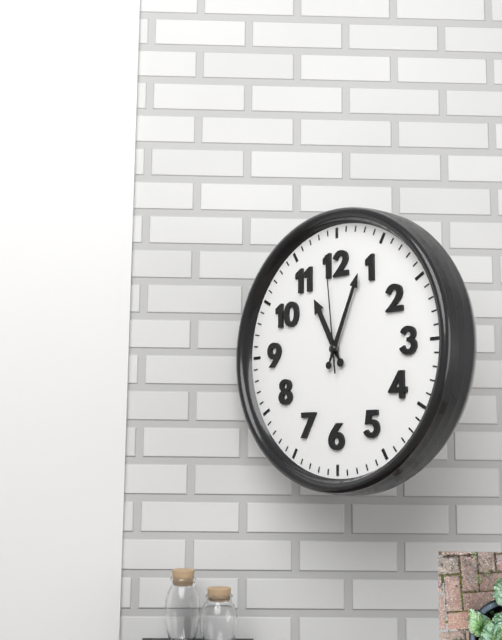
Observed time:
11:04:59
